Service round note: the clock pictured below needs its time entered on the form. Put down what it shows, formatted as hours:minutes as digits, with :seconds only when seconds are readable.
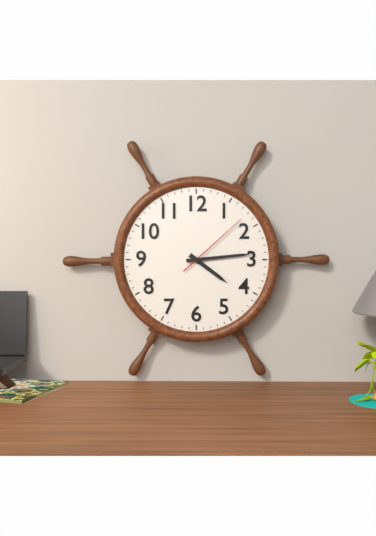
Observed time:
4:14:08
